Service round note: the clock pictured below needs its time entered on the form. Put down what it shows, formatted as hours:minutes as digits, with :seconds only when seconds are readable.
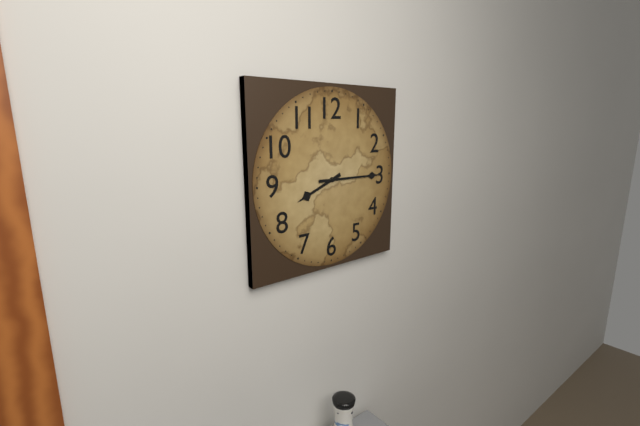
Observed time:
8:15
